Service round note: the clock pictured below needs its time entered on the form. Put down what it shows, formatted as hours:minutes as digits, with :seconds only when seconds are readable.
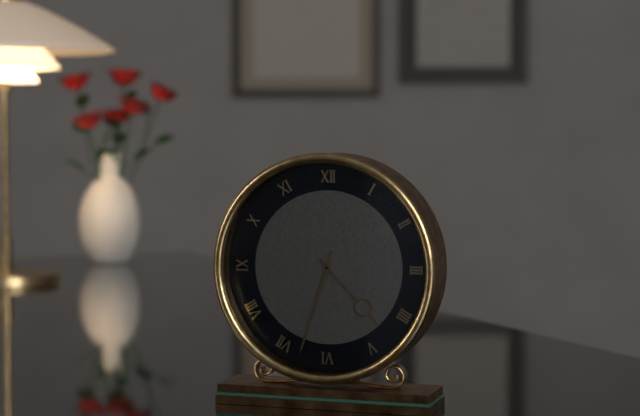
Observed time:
4:33
